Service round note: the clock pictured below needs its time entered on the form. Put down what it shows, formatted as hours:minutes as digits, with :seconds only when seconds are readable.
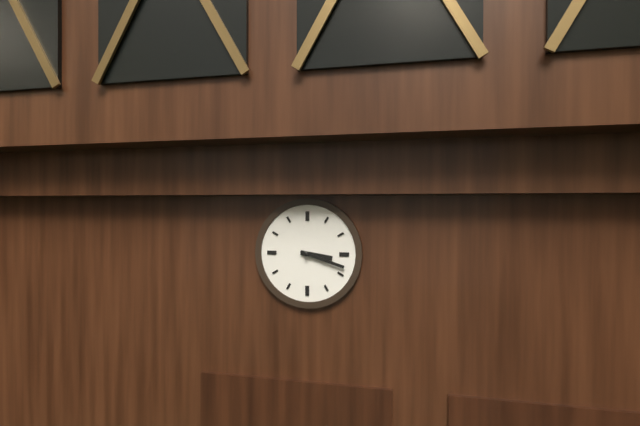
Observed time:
3:18
